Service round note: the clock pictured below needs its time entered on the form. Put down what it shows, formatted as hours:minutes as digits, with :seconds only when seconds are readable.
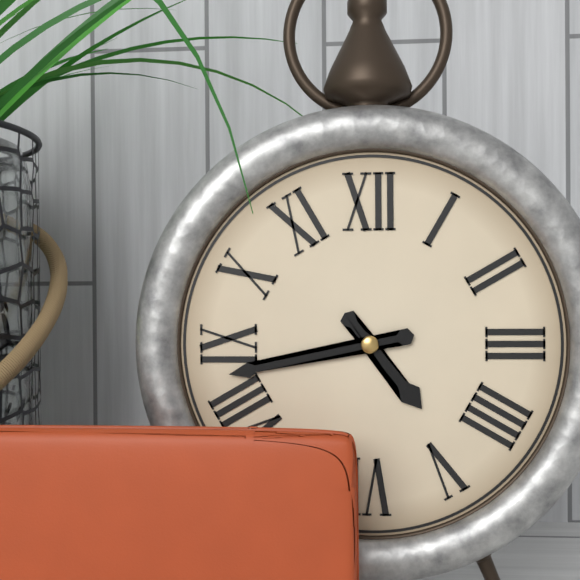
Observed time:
4:43
